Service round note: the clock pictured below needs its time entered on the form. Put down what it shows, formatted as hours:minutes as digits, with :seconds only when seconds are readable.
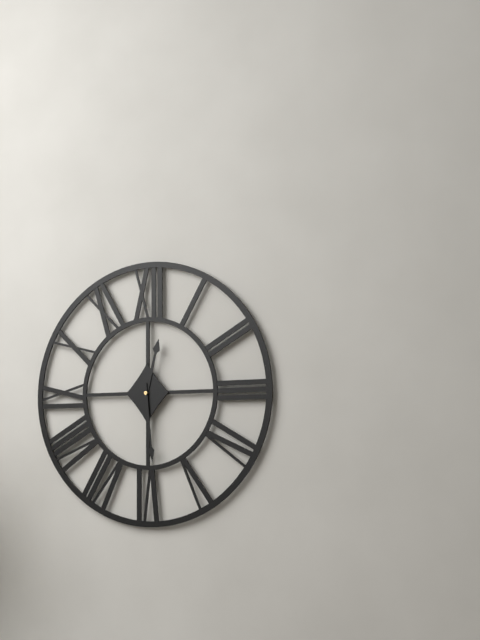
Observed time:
12:29
